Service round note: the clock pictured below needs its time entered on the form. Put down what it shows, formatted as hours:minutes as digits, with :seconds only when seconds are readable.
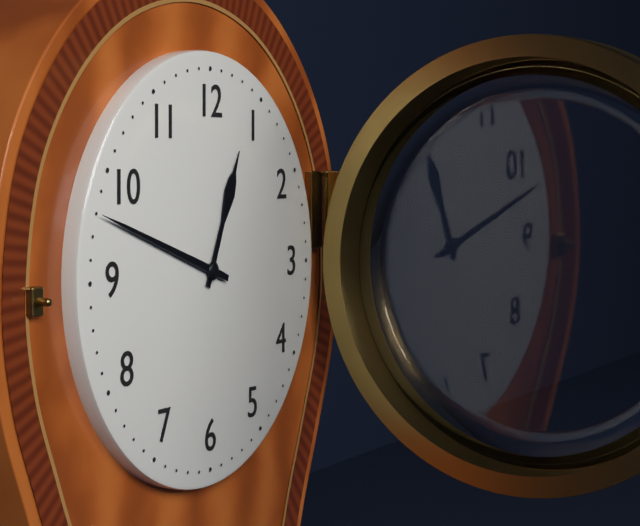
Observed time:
12:48
